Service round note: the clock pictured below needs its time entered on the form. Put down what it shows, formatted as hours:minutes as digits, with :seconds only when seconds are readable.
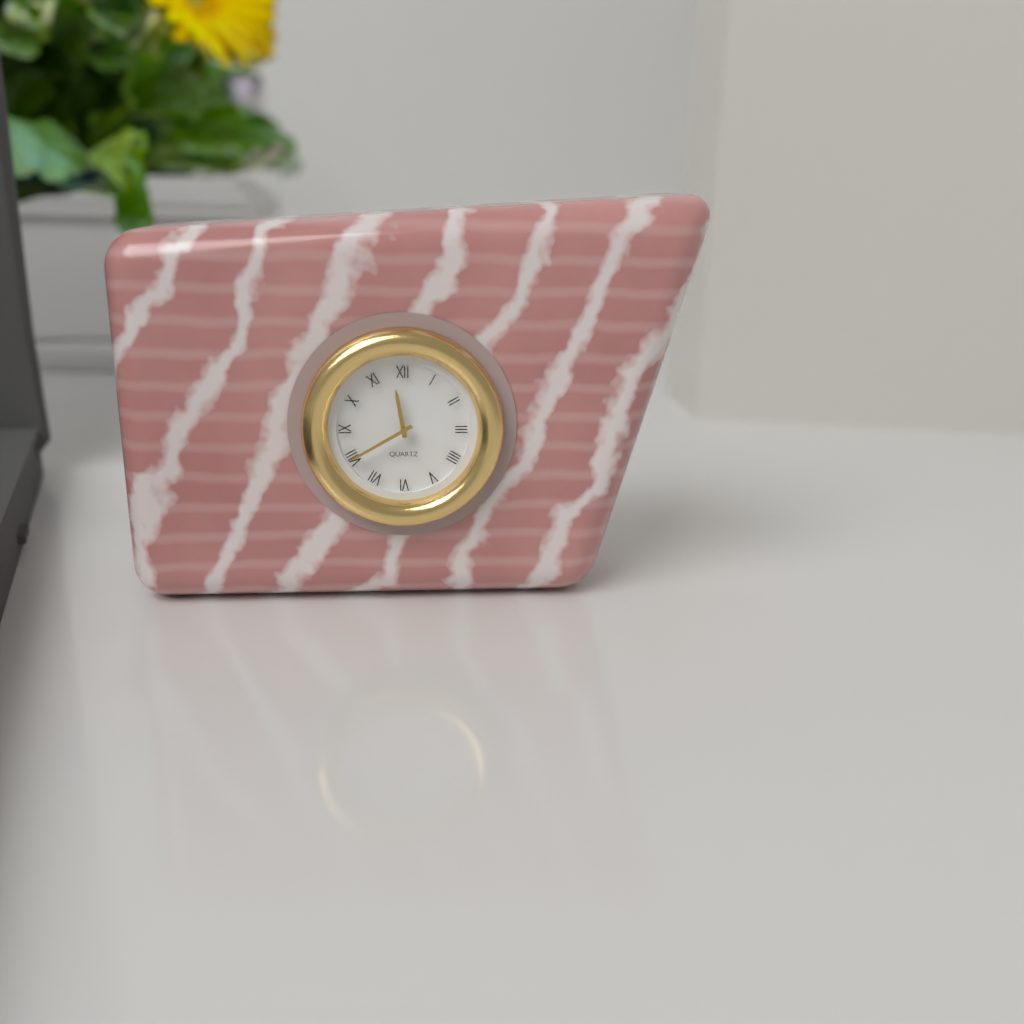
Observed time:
11:40
